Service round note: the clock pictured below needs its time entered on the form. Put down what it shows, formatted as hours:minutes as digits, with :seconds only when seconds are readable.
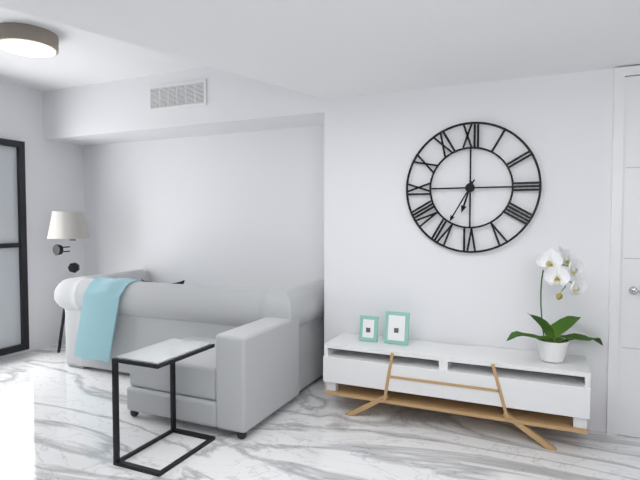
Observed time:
6:35
